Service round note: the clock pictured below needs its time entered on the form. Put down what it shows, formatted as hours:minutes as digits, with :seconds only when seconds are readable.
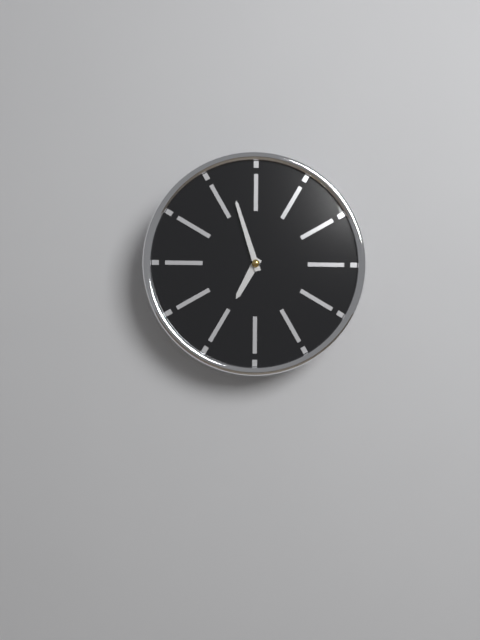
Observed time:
6:57
